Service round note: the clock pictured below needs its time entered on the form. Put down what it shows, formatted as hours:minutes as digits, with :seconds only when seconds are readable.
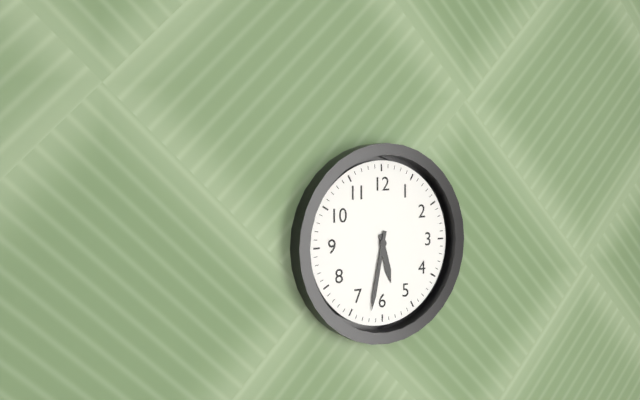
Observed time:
5:32
